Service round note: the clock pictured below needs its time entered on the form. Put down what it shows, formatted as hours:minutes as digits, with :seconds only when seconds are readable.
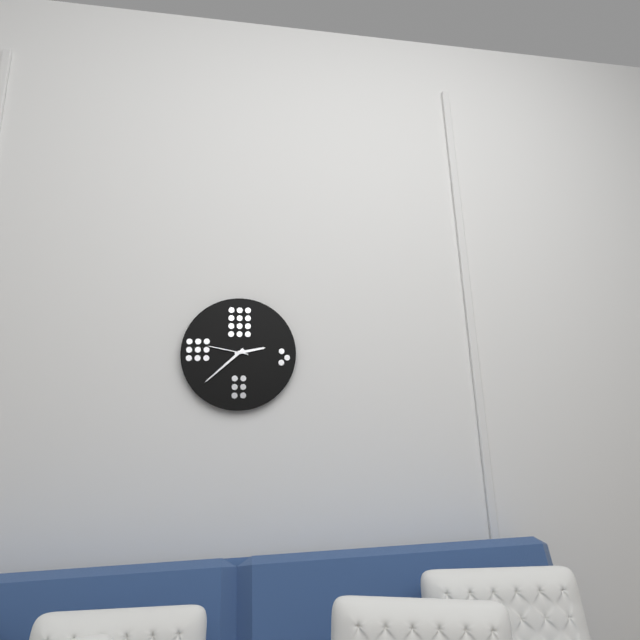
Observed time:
2:38
